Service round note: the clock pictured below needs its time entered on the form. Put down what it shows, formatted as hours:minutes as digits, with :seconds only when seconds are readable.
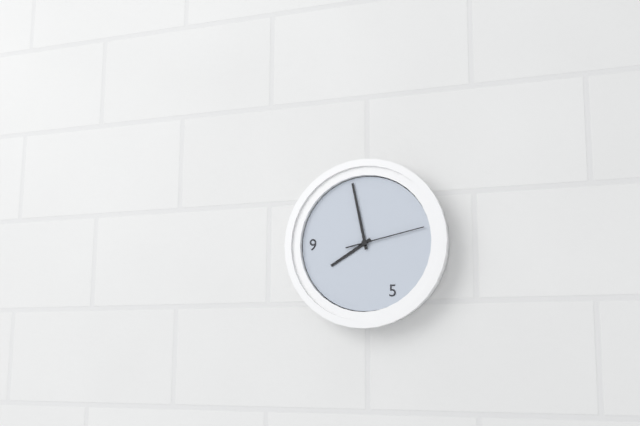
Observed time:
7:58:13
